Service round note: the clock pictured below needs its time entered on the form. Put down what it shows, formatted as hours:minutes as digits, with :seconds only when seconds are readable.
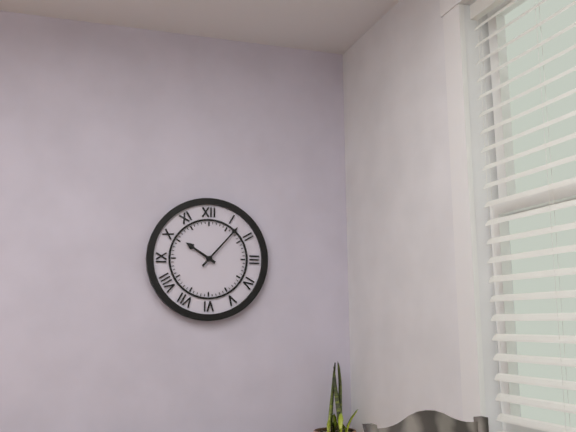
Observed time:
10:07
